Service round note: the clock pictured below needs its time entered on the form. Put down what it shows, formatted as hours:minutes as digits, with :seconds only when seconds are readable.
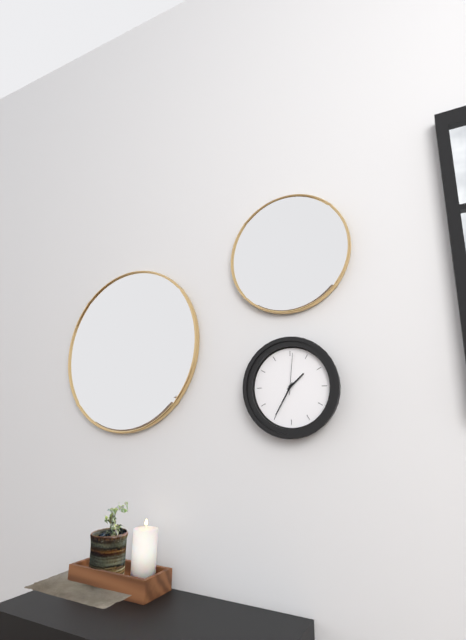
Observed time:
1:35
